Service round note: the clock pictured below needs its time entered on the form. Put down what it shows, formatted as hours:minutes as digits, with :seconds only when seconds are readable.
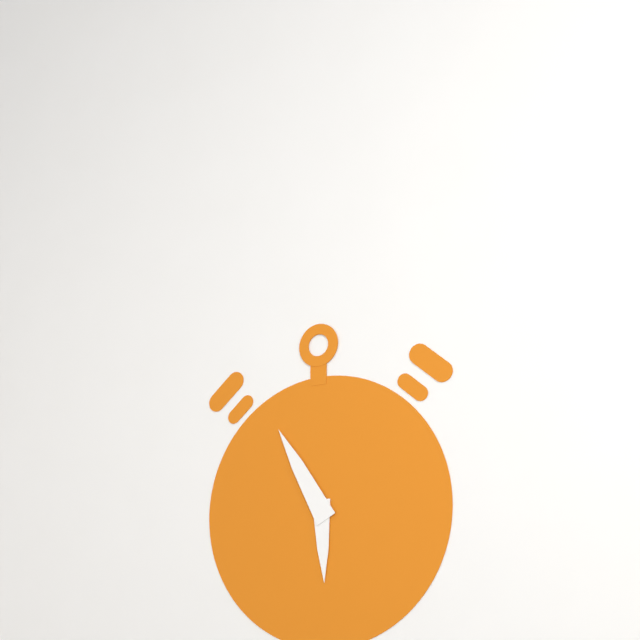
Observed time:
5:55
